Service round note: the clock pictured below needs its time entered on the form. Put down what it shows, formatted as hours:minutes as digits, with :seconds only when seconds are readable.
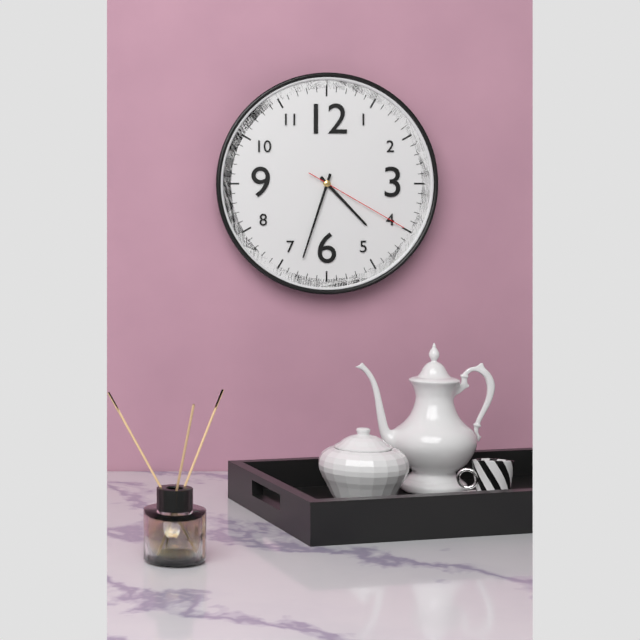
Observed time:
4:33:20
